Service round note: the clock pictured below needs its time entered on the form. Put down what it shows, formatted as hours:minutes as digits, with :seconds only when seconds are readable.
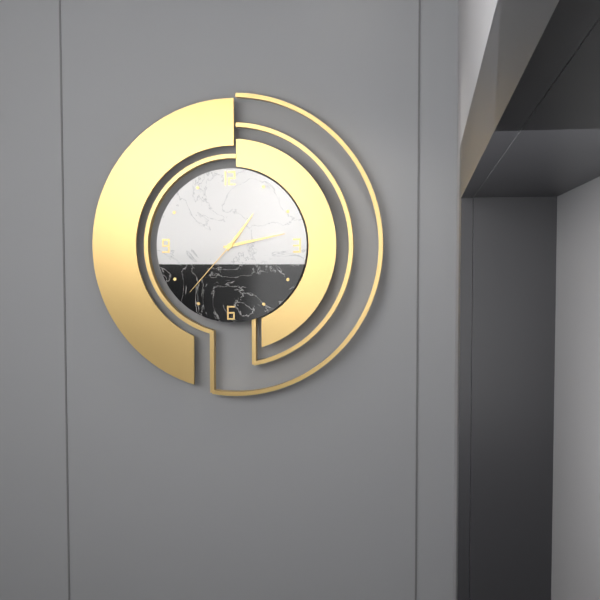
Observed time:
1:13:37
